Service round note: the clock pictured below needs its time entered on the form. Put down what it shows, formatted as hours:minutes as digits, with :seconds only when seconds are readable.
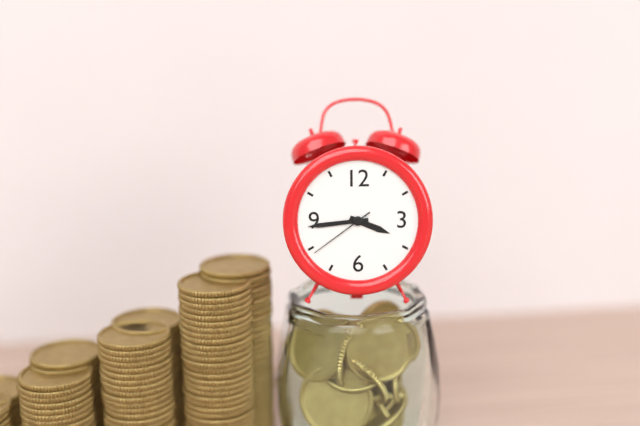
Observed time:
3:44:39
